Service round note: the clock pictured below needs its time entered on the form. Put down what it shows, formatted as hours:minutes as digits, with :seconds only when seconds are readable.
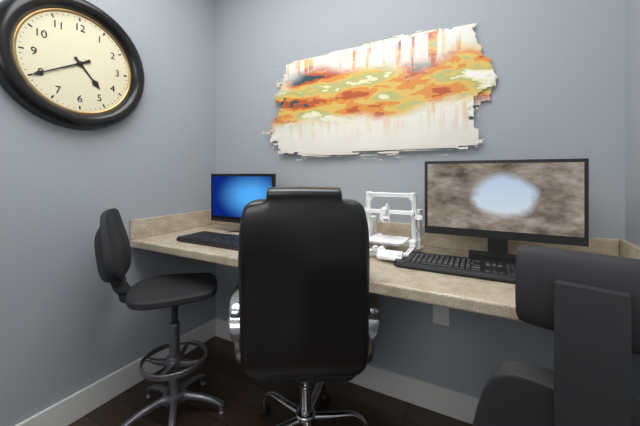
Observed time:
4:40
